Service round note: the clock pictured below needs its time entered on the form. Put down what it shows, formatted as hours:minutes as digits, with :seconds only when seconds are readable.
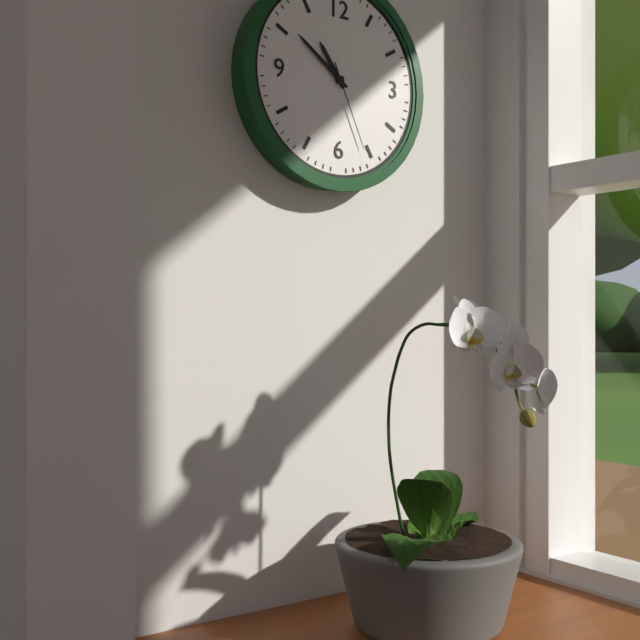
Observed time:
10:51:26
